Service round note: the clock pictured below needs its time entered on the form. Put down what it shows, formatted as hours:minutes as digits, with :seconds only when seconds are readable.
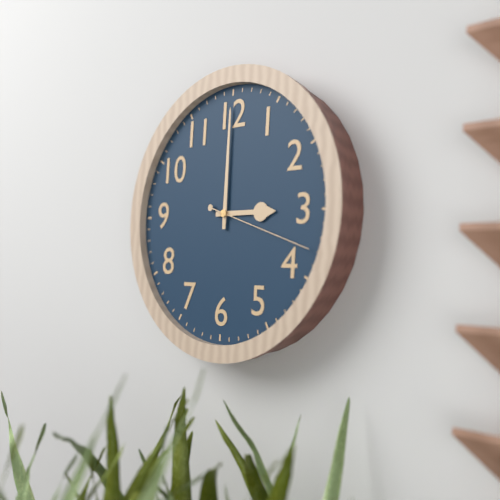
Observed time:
3:00:18
